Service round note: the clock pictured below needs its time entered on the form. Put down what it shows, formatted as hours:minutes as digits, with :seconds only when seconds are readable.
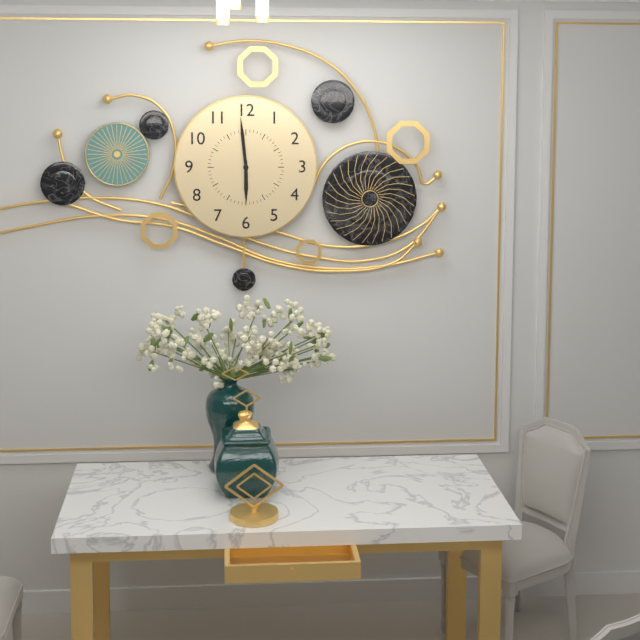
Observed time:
5:59
